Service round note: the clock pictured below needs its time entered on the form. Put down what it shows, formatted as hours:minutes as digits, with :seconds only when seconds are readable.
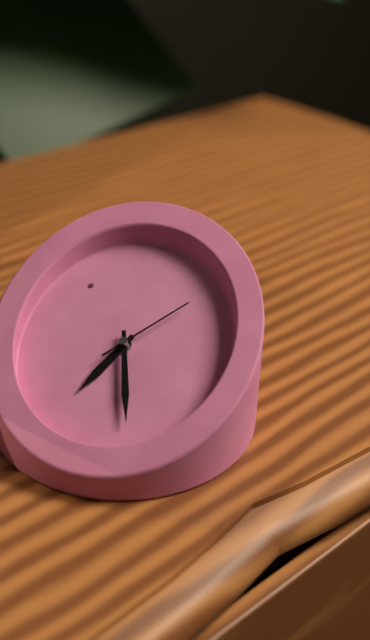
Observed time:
9:41:21
